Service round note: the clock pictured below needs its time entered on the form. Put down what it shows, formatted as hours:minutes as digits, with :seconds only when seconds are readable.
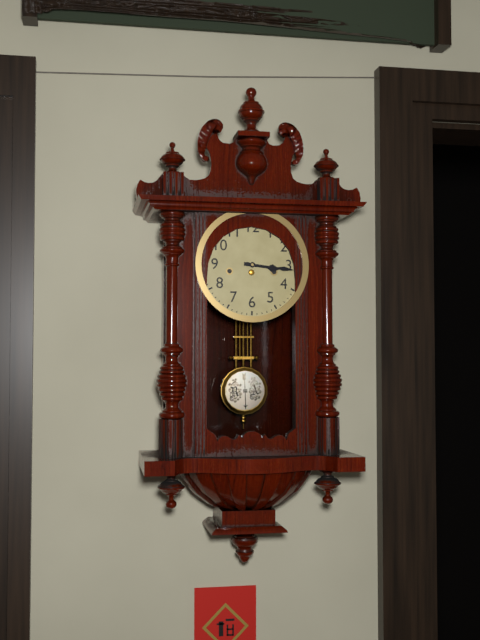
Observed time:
3:16
